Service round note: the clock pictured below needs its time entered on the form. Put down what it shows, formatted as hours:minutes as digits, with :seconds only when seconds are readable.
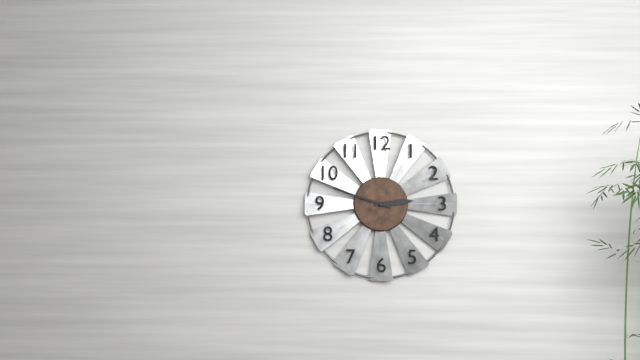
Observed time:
2:48
